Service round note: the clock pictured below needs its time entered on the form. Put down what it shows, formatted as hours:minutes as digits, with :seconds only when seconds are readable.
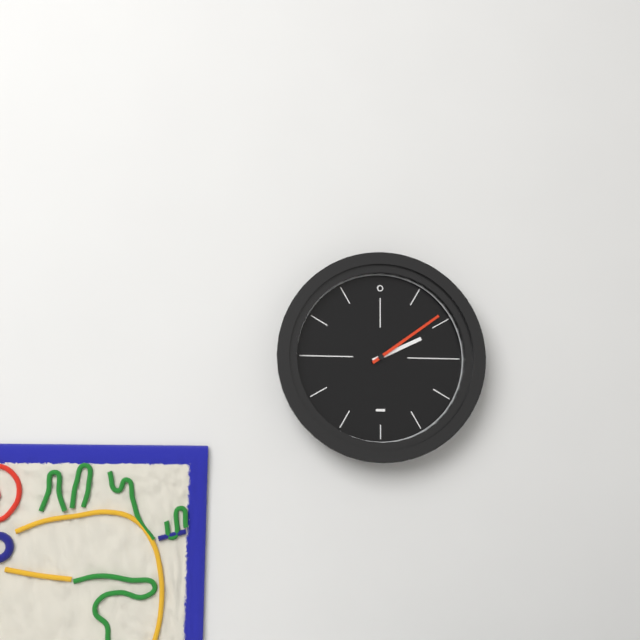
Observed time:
2:09
